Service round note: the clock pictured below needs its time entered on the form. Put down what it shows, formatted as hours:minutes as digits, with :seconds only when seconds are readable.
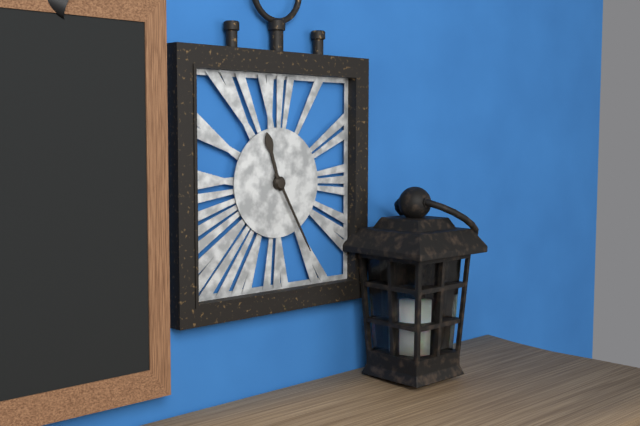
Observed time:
11:25
